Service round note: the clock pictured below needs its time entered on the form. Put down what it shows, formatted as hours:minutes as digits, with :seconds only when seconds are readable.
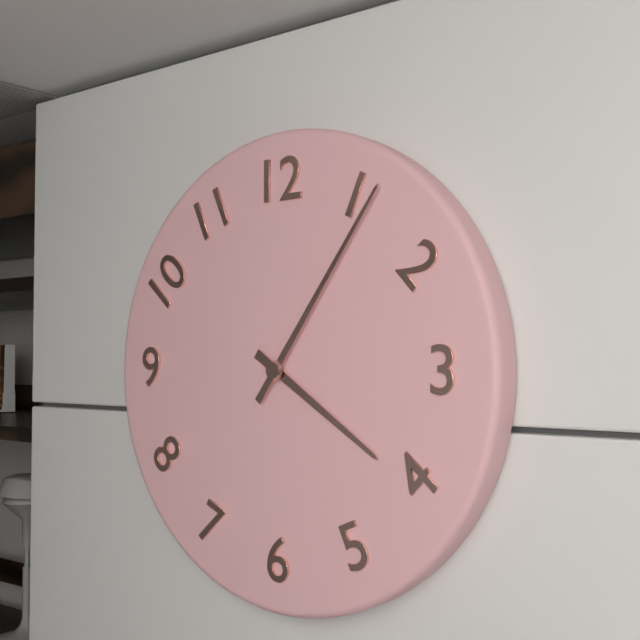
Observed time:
4:06
